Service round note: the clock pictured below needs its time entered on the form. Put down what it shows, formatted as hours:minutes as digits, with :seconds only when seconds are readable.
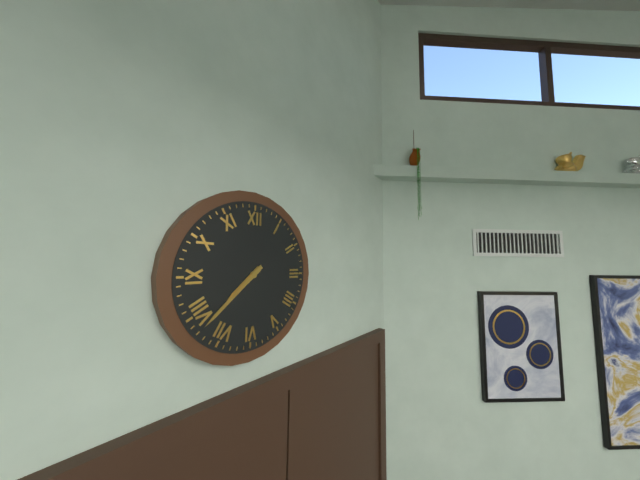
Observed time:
7:38
